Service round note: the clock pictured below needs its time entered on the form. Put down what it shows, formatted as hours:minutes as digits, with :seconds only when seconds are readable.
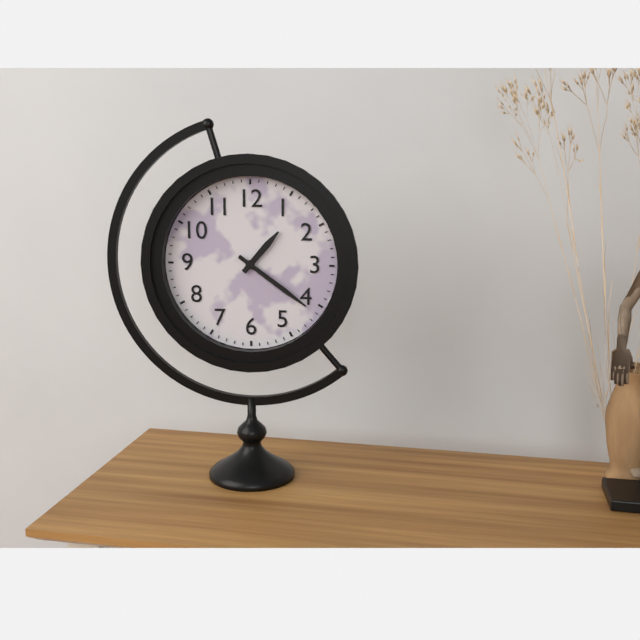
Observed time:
1:21
